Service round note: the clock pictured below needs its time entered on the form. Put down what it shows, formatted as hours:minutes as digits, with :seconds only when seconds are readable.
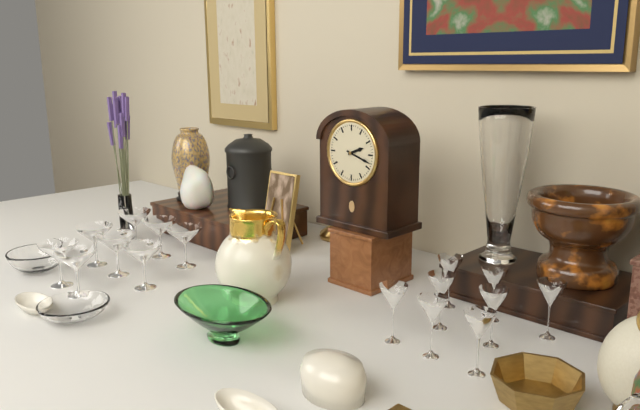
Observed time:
2:18
